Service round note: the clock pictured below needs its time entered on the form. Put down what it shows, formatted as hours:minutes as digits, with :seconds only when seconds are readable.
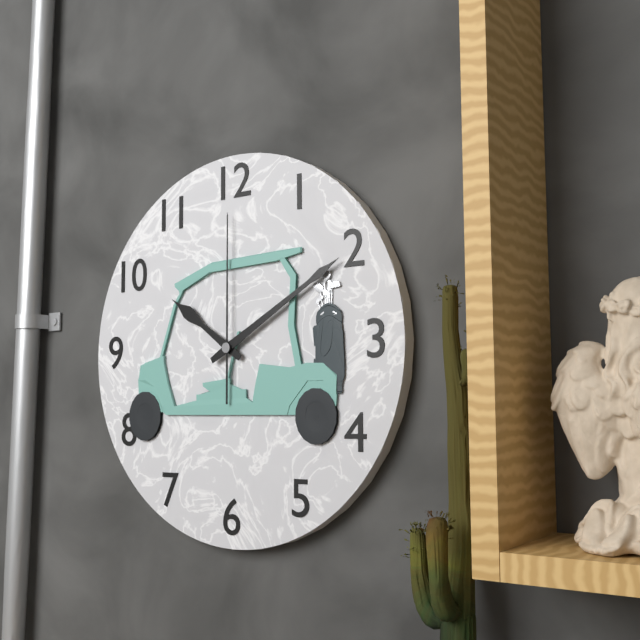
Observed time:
10:10:00
